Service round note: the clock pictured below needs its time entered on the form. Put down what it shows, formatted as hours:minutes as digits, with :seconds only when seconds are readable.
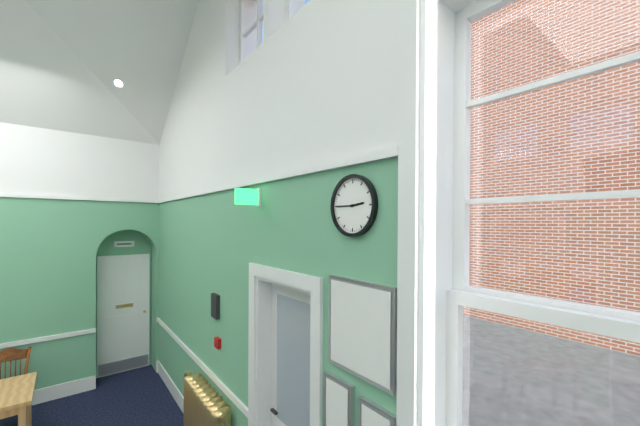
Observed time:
2:45
